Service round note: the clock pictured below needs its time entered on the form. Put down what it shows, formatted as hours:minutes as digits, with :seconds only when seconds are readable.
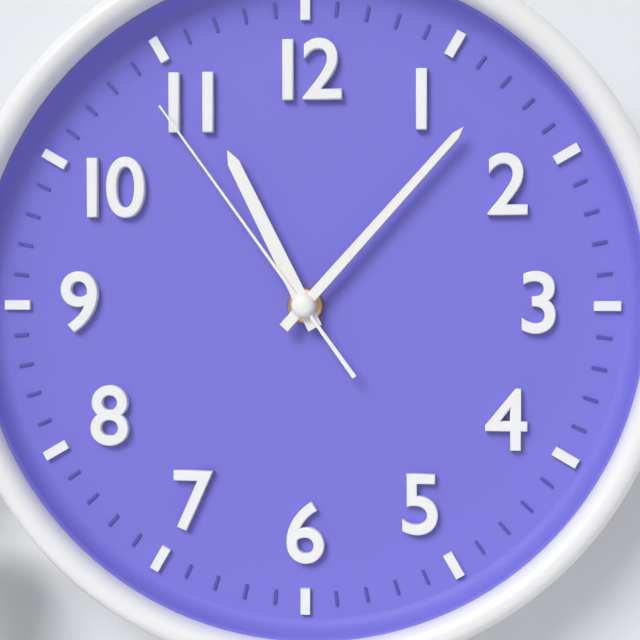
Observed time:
11:07:54
